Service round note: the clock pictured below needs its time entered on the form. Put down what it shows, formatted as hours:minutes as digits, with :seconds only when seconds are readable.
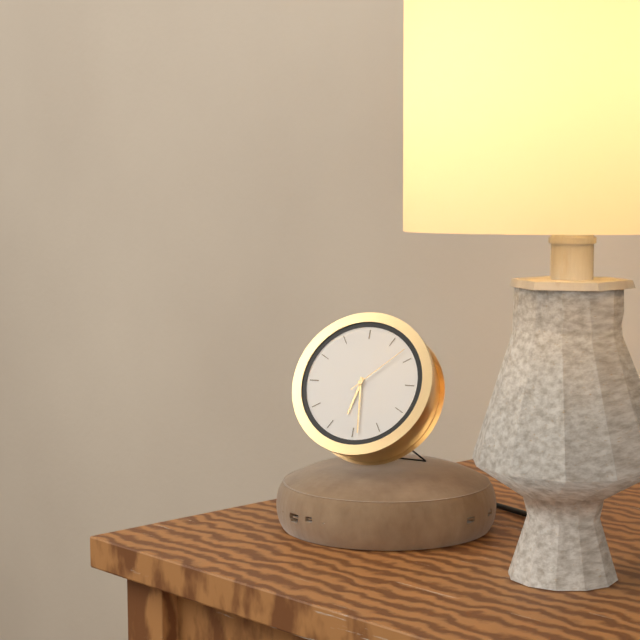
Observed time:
6:29:08
